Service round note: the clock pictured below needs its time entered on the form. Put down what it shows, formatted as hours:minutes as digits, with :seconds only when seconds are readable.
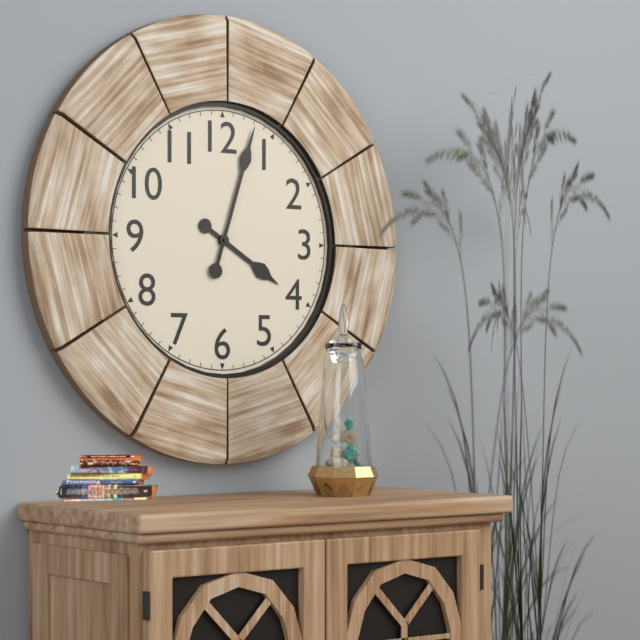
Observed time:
4:03
